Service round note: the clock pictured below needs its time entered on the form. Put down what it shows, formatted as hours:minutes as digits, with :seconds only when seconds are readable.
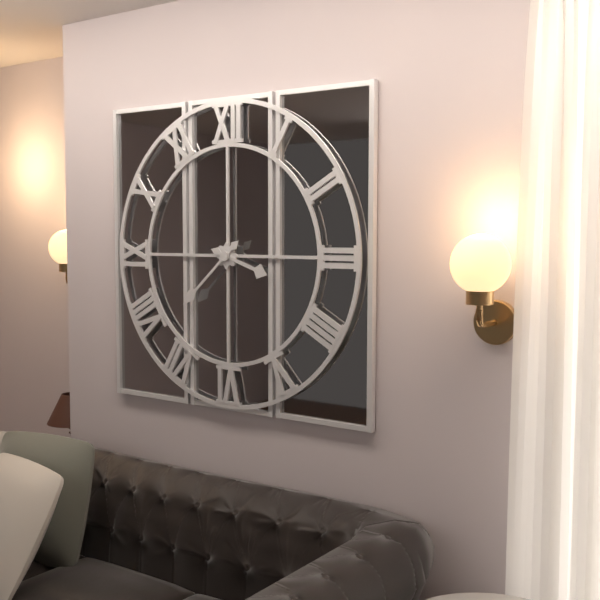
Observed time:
3:38
